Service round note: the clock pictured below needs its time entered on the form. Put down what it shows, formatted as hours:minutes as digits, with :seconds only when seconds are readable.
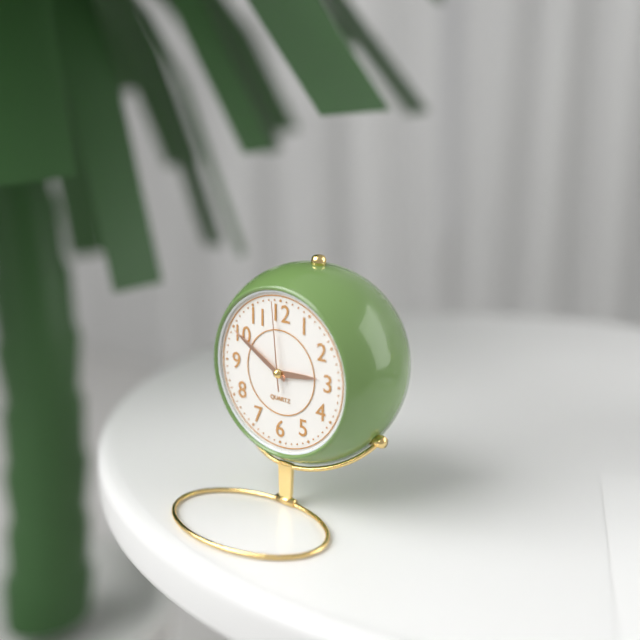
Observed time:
2:50:59
